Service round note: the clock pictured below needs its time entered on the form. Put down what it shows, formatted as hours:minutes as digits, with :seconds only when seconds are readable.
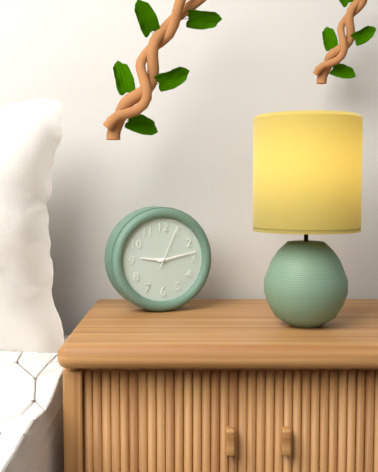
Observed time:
9:13
